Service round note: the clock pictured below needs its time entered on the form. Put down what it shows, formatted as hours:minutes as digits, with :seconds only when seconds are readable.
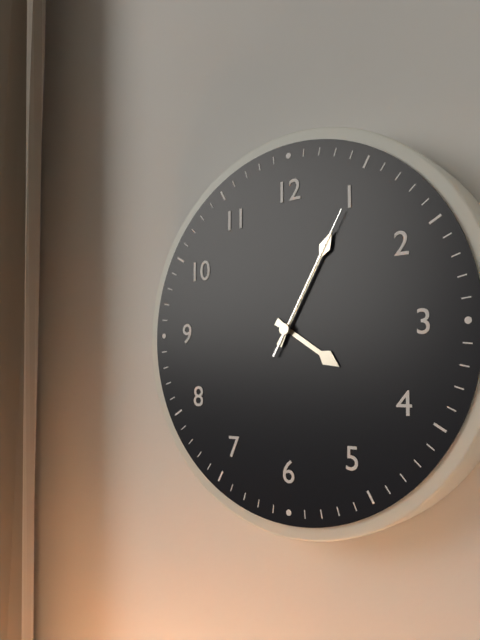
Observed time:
4:05:05
